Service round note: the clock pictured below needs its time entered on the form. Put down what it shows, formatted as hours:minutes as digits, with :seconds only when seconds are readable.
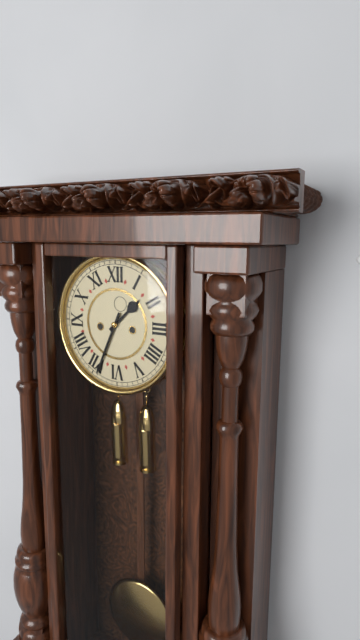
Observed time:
1:34
